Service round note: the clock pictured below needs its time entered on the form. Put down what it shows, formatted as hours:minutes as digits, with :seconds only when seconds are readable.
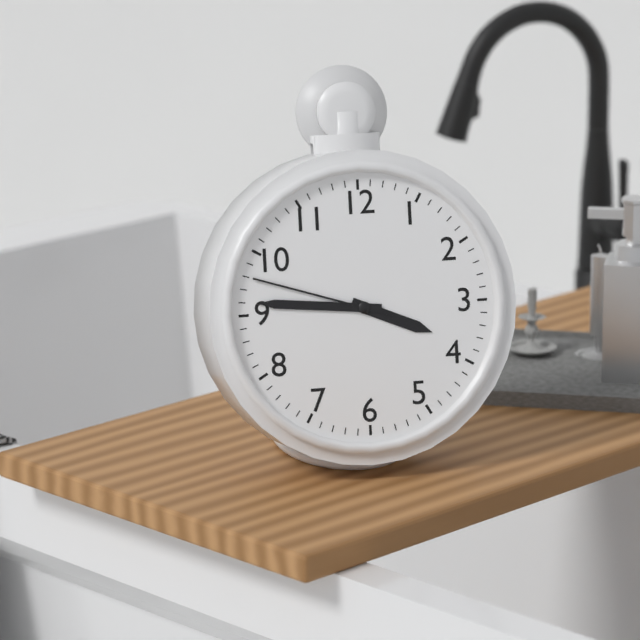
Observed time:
3:46:48
